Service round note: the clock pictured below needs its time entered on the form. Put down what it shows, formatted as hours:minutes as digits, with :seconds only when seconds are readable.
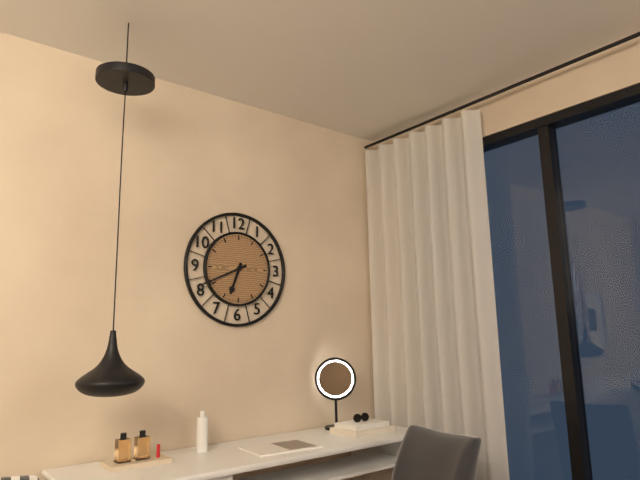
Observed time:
6:41
